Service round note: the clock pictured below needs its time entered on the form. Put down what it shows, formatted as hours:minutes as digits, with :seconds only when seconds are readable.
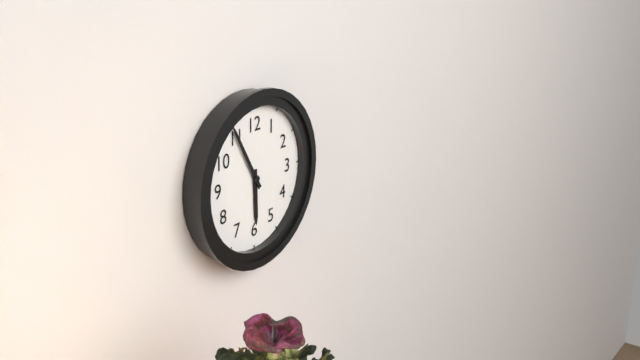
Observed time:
5:55
